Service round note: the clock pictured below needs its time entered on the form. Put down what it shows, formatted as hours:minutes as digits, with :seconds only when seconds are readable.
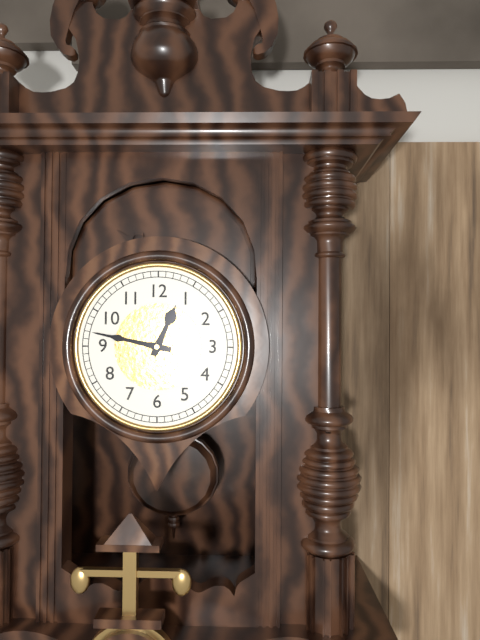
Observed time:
12:47
